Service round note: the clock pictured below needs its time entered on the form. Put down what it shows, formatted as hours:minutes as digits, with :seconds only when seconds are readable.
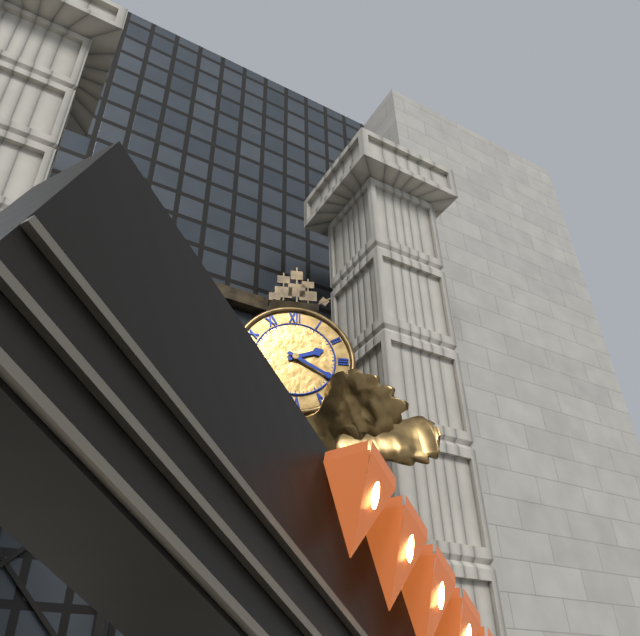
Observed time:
2:20
